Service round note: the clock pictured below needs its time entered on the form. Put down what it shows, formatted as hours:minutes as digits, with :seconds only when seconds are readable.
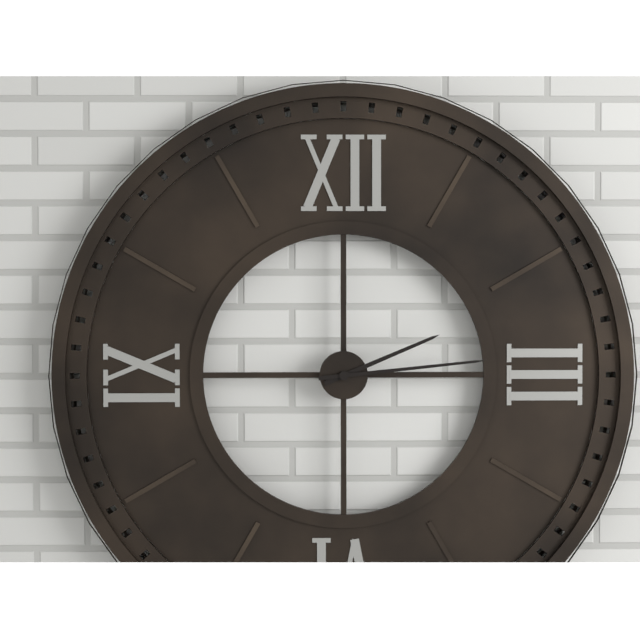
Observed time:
2:14
